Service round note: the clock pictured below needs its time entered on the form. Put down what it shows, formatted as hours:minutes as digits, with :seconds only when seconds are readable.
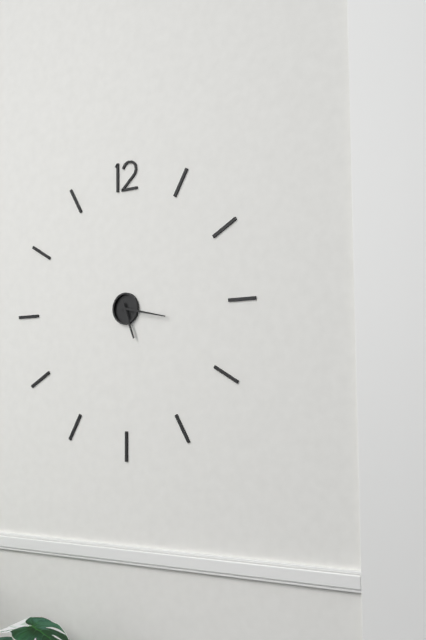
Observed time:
5:17
